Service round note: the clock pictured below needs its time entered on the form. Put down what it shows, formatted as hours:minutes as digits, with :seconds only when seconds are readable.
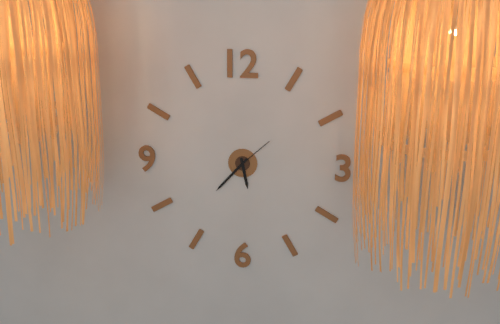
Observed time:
5:37
